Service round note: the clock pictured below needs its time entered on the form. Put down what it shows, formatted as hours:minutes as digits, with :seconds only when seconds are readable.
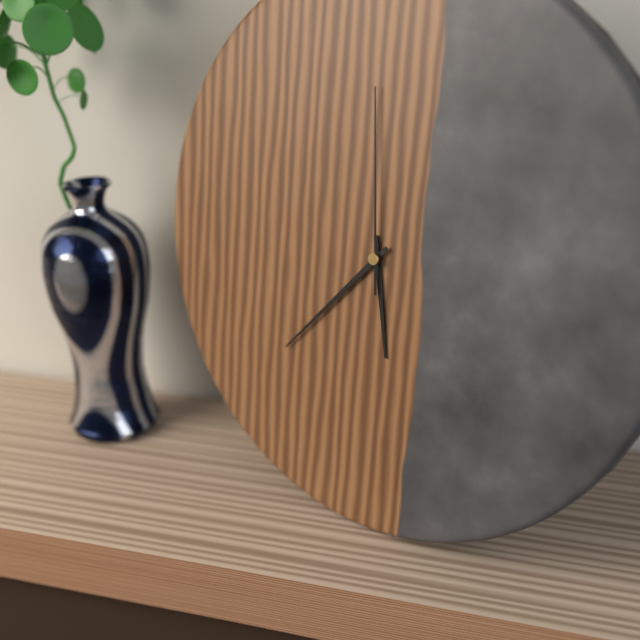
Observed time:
5:37:59
